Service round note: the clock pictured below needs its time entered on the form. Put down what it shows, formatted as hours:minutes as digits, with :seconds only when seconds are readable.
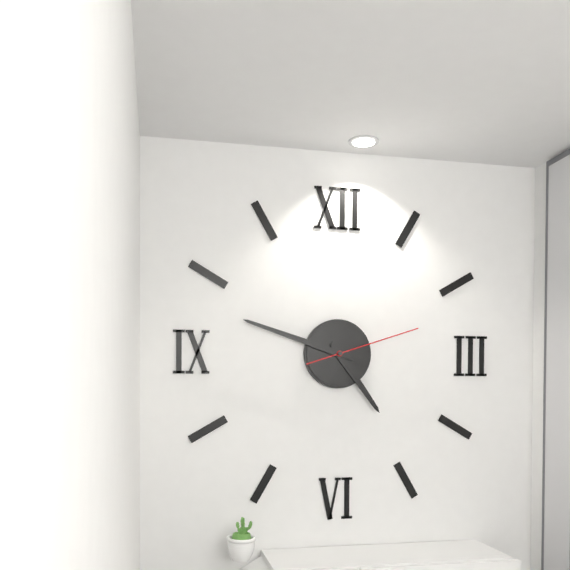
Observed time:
4:48:12
